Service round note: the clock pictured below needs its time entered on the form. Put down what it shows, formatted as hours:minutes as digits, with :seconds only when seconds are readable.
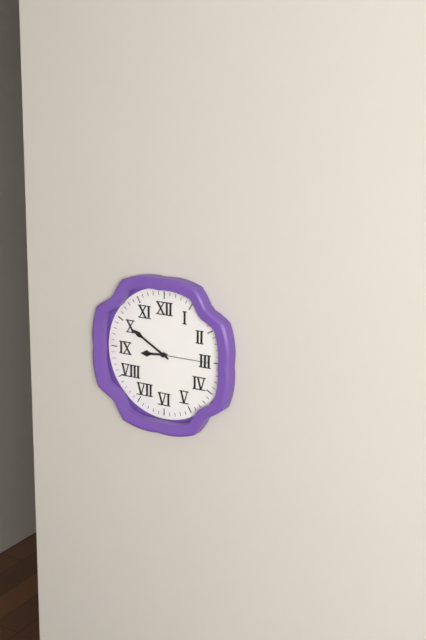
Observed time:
8:50:15
